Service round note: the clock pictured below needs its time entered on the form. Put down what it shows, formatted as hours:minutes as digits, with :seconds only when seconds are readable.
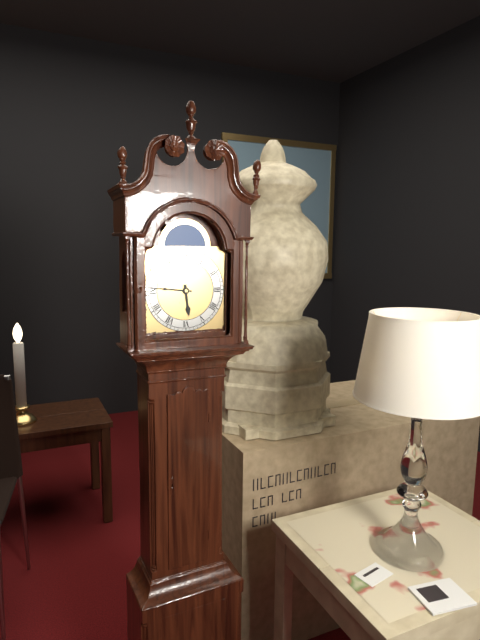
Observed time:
5:46
